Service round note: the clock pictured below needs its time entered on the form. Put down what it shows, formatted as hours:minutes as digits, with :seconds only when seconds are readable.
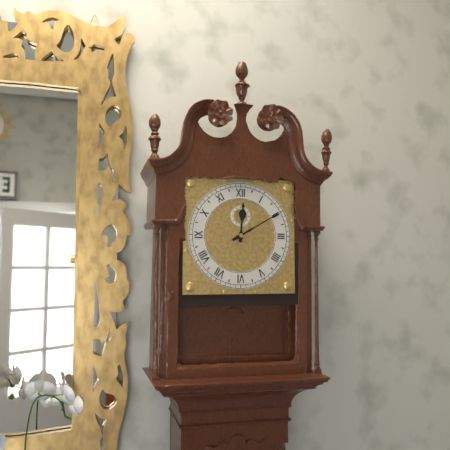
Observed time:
12:10
